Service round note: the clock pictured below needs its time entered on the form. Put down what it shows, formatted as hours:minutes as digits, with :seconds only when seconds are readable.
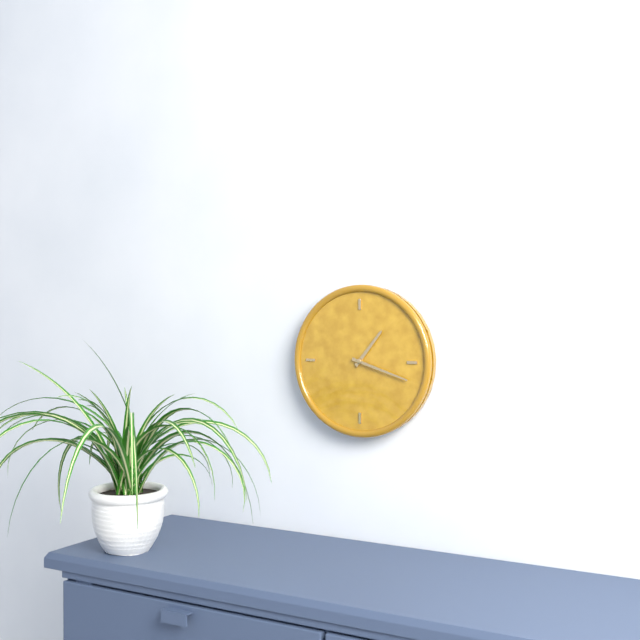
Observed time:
1:18
